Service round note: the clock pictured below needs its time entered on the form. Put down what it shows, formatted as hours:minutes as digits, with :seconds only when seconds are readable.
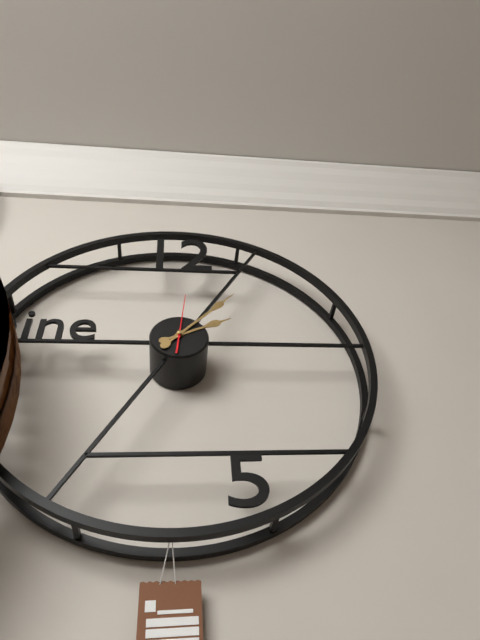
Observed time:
2:07
